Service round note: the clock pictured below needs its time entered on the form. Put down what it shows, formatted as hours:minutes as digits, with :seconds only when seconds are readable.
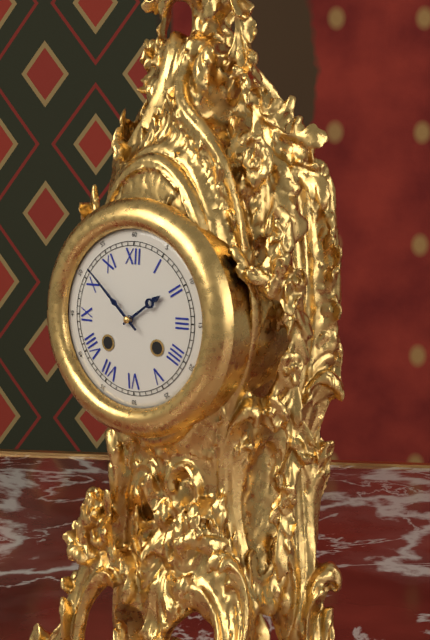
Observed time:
1:52
